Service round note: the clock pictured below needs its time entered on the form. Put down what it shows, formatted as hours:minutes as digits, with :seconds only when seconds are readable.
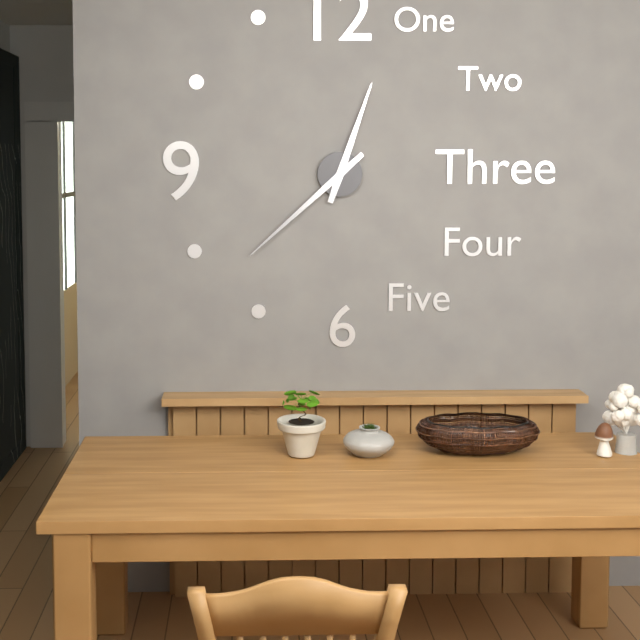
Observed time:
12:38
